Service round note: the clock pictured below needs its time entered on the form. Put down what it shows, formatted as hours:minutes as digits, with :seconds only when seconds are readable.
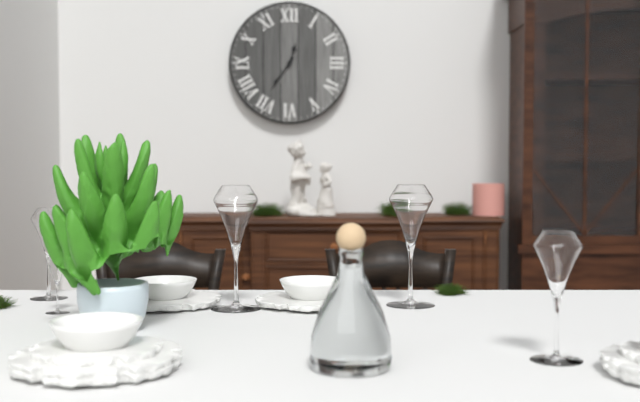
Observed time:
12:36
